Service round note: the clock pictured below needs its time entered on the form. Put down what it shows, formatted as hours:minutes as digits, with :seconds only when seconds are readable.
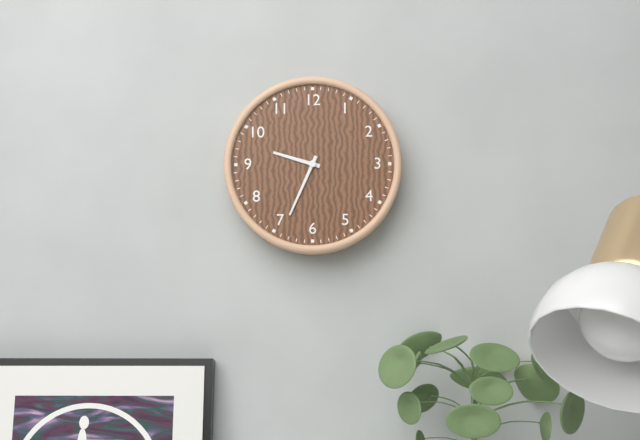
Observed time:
9:34
